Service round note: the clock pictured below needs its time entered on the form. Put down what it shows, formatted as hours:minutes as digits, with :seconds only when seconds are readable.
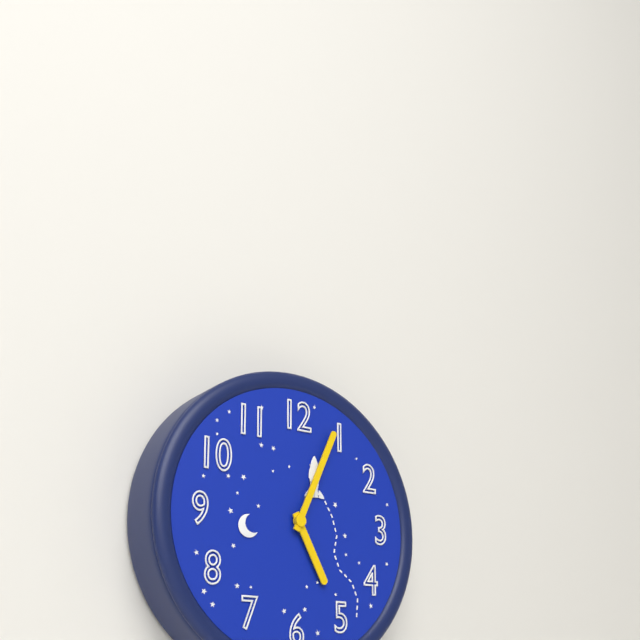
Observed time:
5:04
